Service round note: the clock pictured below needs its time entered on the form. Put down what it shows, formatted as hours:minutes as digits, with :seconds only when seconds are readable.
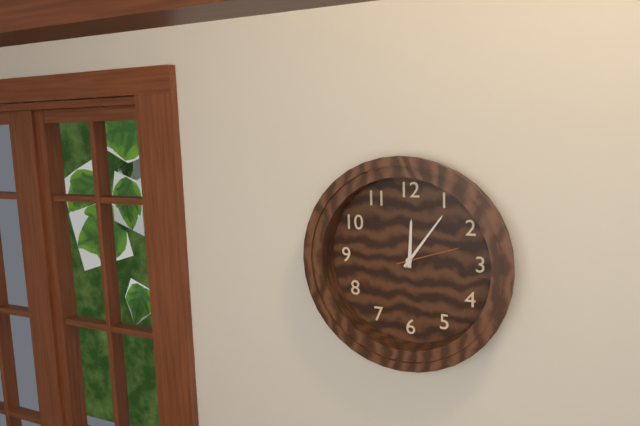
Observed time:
12:06:12
